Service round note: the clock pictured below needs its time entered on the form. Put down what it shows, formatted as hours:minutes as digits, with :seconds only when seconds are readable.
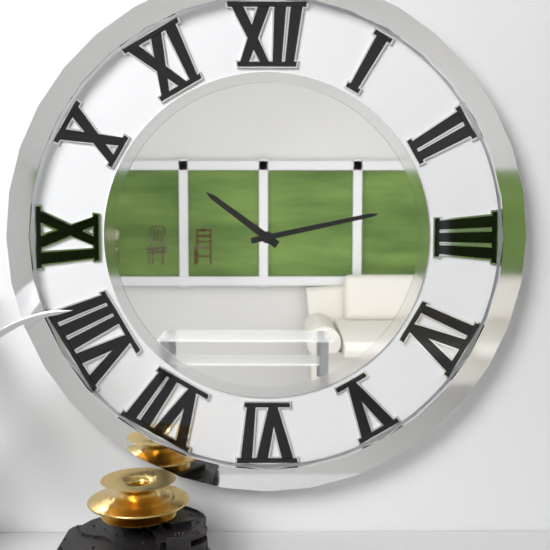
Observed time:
10:13
